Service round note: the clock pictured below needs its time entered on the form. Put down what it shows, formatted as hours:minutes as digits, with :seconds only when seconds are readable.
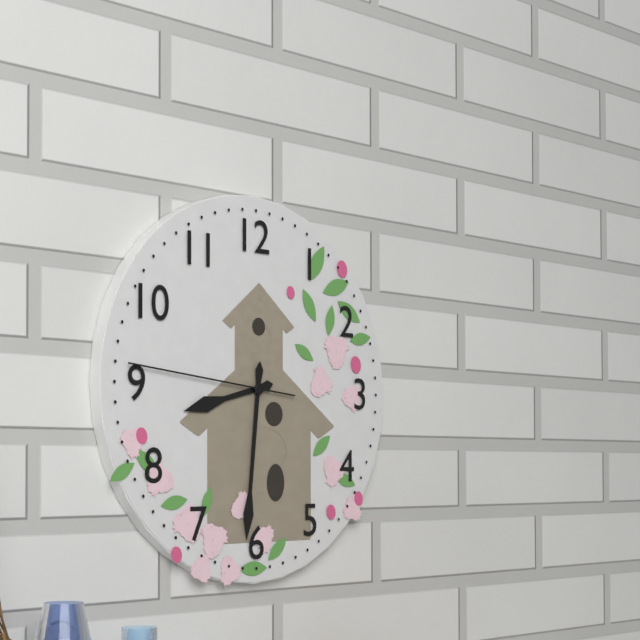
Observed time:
8:31:46
